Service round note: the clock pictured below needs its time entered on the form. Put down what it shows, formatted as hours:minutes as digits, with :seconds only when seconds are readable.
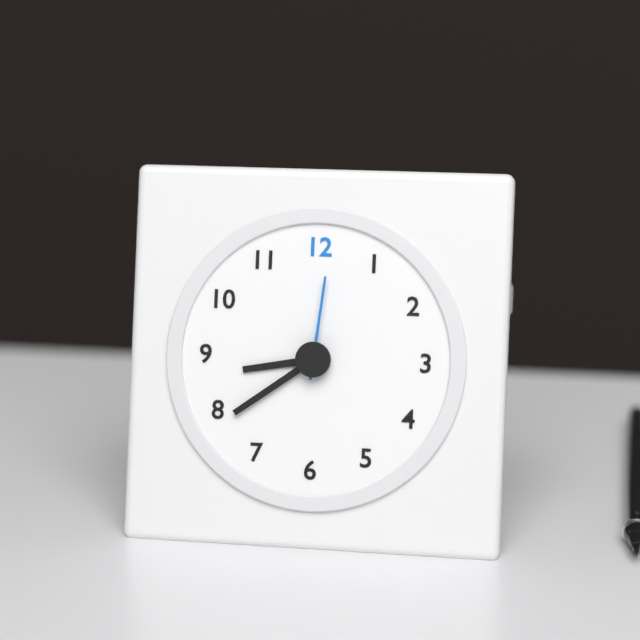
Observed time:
8:39:01
